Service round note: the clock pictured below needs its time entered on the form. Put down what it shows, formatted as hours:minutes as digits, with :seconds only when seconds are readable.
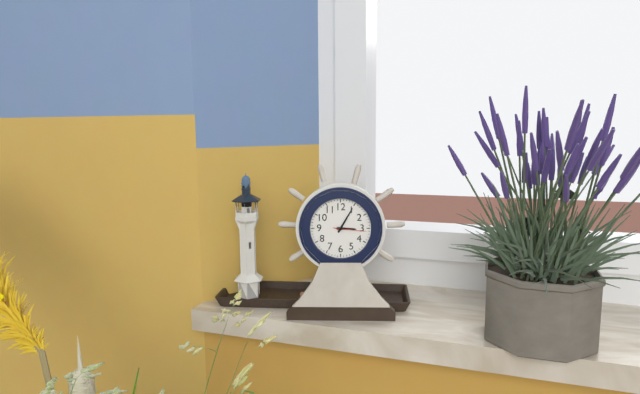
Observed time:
3:05
